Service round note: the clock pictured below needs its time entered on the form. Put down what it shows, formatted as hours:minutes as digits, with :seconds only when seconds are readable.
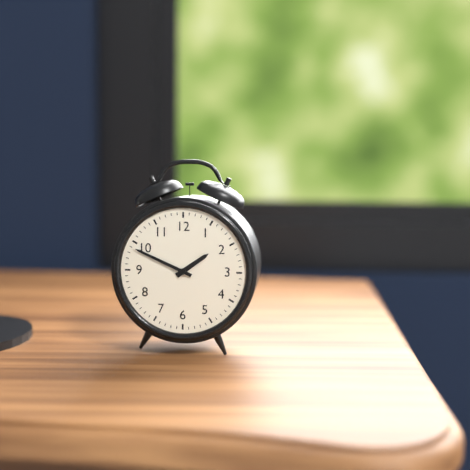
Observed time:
1:49
